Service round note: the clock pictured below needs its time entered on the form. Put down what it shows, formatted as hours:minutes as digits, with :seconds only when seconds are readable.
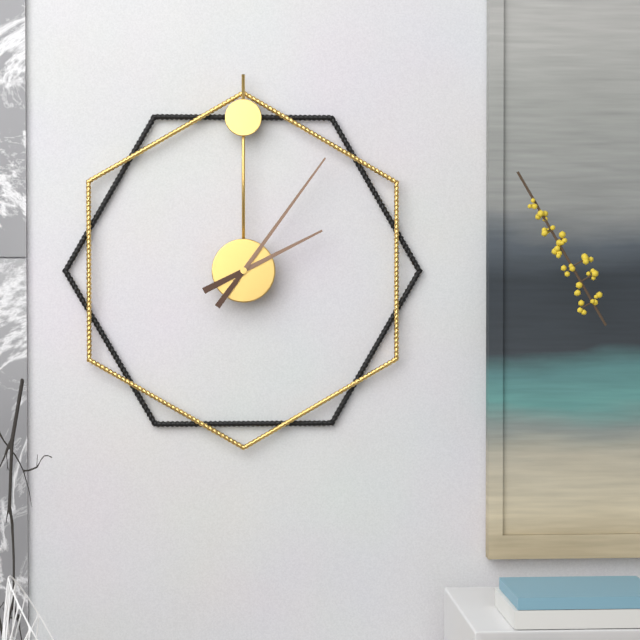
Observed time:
2:06
